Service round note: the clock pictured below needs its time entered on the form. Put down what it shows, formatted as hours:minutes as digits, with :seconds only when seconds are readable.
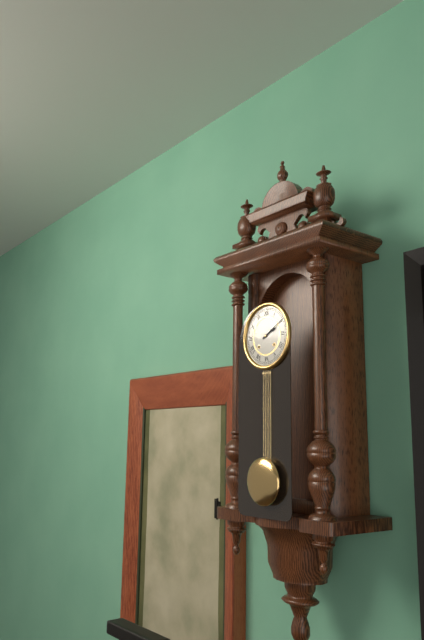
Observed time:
2:10
